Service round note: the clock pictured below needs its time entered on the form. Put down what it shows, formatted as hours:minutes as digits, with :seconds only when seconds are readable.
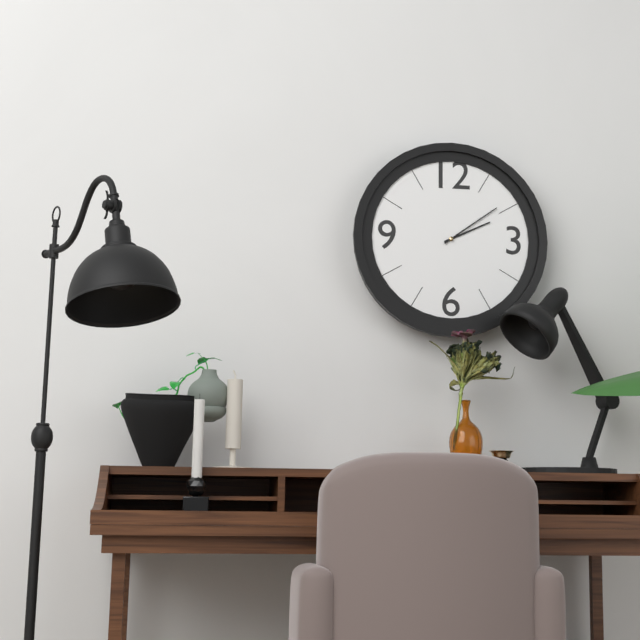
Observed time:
2:09
